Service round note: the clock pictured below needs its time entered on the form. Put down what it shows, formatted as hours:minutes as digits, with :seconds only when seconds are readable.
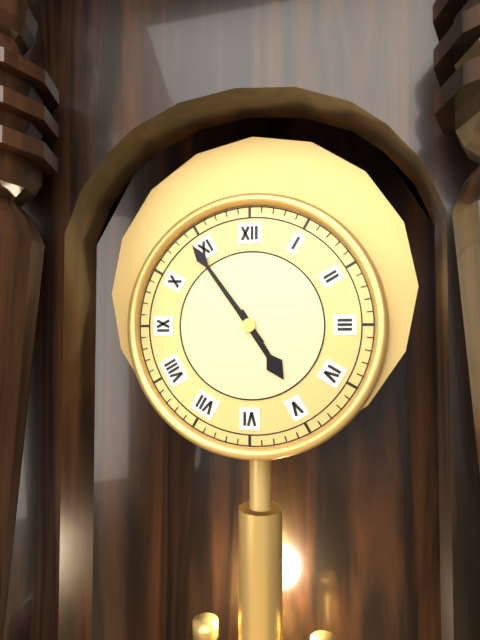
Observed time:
4:54
